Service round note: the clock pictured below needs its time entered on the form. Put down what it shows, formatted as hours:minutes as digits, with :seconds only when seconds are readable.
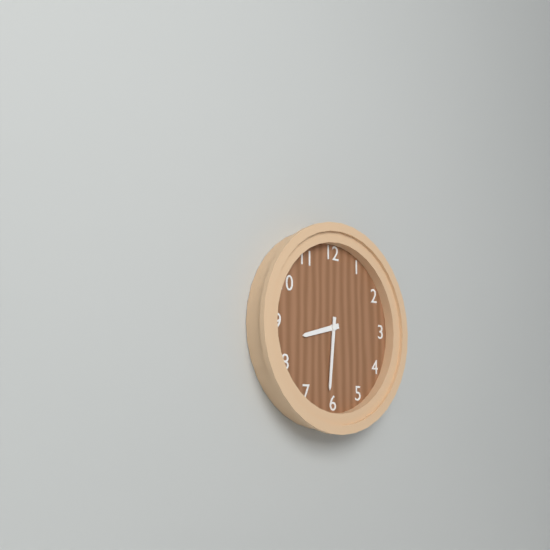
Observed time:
8:31
